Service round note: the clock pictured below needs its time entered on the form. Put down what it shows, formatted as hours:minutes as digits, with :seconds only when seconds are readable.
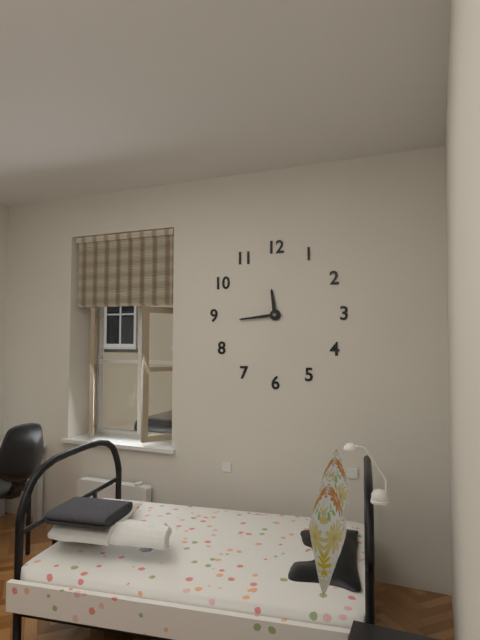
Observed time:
11:44
